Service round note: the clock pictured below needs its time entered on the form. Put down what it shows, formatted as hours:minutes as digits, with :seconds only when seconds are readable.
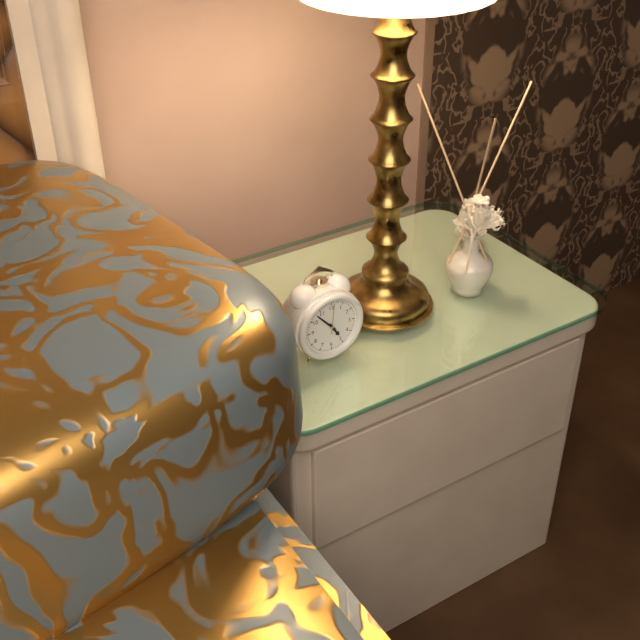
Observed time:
4:53
